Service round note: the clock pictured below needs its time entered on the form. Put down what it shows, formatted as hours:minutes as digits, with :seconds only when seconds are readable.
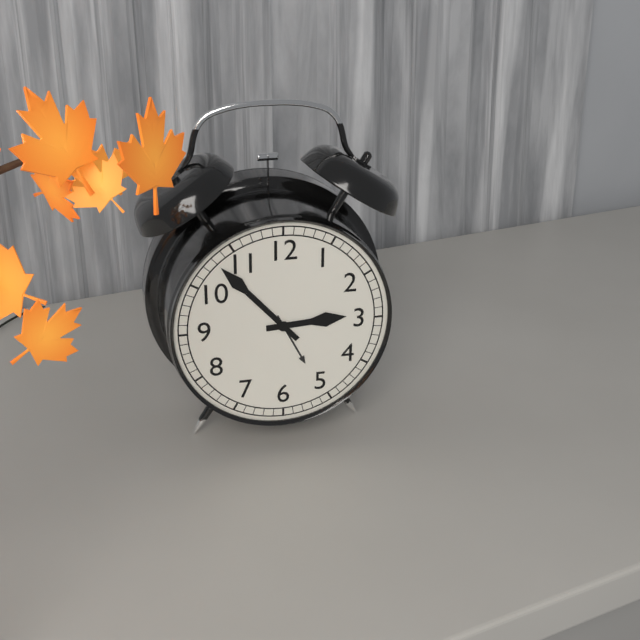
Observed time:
2:53
